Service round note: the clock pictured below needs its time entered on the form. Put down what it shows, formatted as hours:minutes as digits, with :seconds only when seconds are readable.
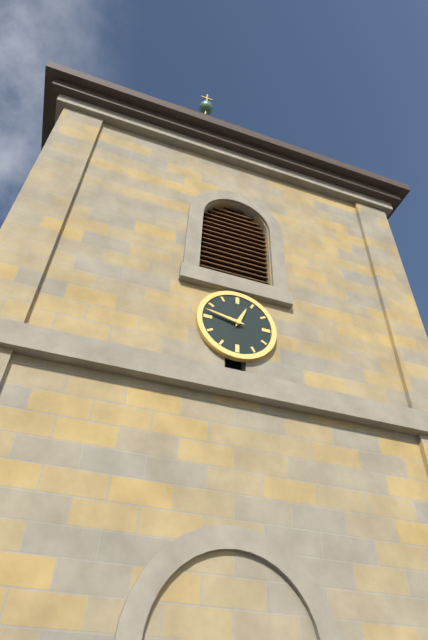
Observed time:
12:47
